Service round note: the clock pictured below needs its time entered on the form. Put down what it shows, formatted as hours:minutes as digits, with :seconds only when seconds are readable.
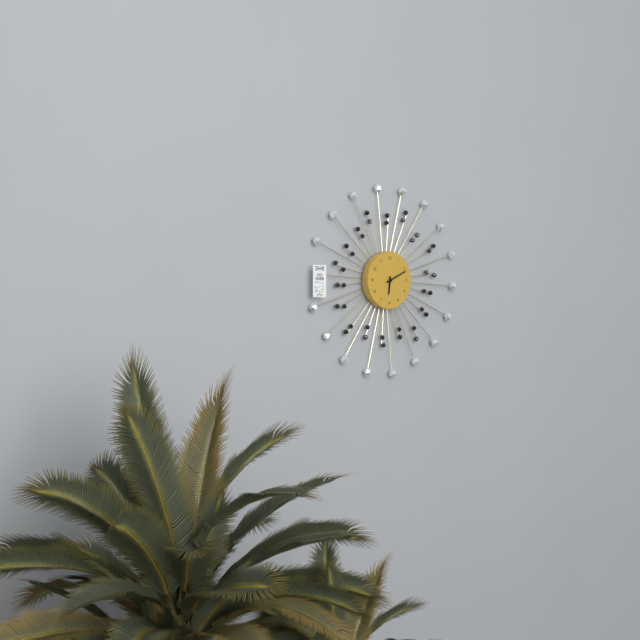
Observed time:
6:11
